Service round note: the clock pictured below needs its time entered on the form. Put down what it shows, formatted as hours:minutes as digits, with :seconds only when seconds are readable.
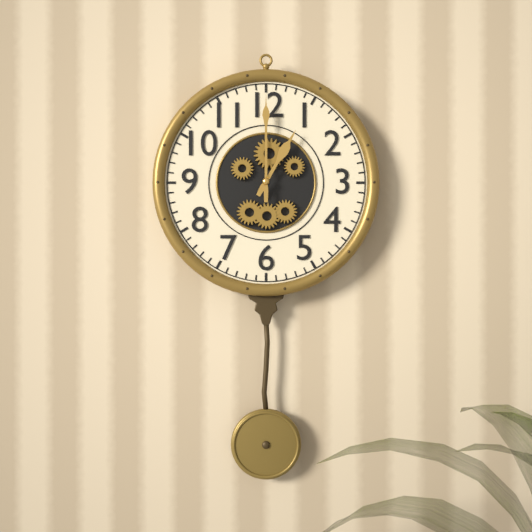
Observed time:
1:00
